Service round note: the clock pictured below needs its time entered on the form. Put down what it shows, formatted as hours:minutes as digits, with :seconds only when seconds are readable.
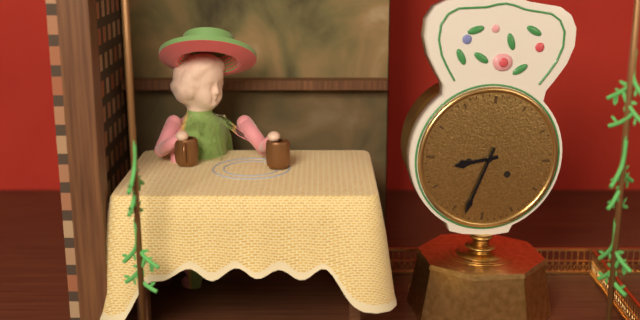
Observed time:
8:33
